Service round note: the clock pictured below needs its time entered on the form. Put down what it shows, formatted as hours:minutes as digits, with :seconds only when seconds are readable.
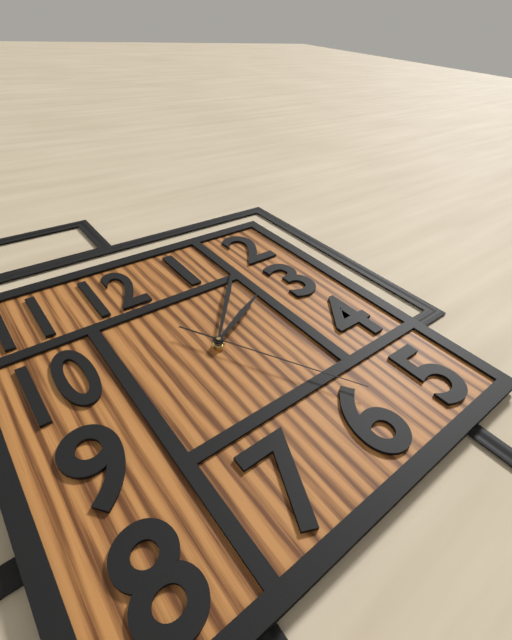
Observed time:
2:07:25
